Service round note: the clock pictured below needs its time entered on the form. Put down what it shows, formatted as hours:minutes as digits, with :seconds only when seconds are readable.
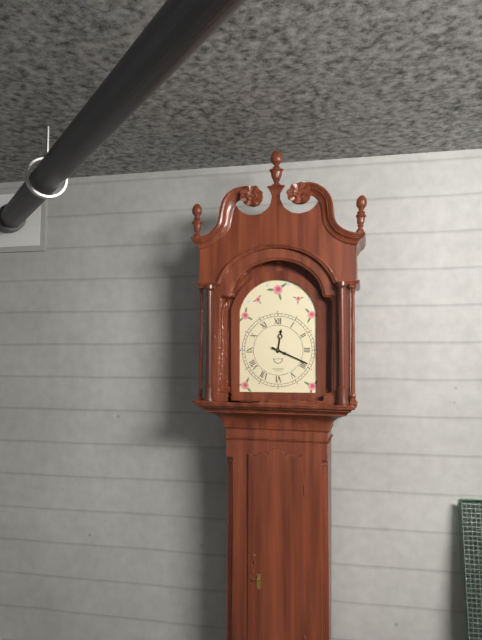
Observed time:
12:19
